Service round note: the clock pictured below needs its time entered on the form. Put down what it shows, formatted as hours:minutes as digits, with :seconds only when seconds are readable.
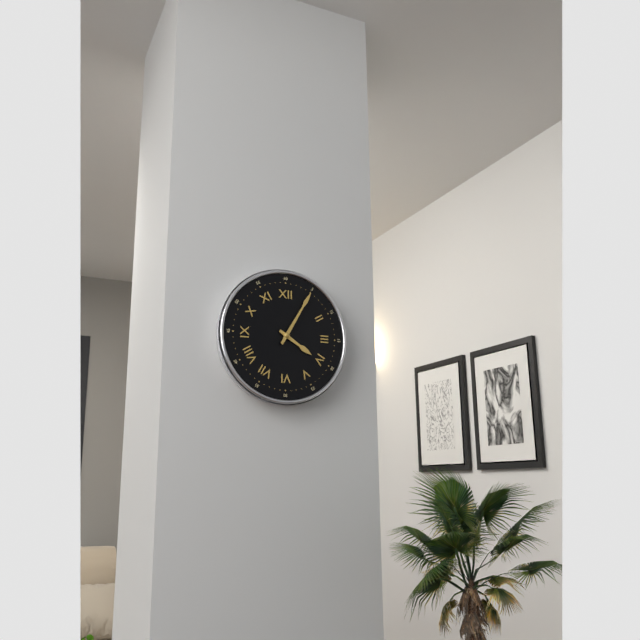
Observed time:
4:05
